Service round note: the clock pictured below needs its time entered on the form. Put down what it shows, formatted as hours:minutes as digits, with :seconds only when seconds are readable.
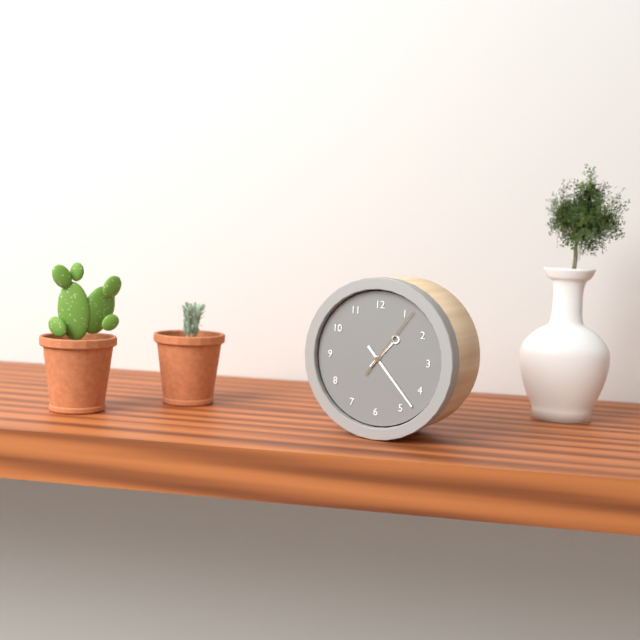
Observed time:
1:23:06
